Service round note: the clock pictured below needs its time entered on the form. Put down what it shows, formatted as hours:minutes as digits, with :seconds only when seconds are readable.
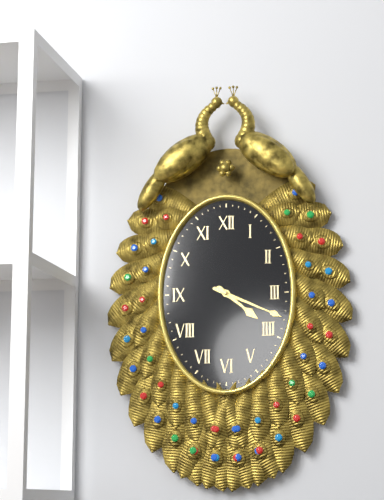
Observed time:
4:19
